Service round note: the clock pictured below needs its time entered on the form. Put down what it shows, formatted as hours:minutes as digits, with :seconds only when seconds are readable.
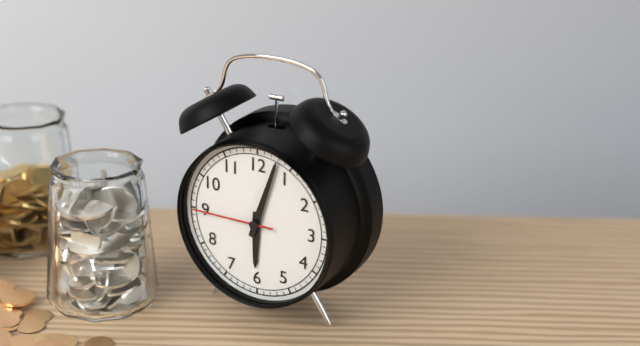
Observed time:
6:03:45
